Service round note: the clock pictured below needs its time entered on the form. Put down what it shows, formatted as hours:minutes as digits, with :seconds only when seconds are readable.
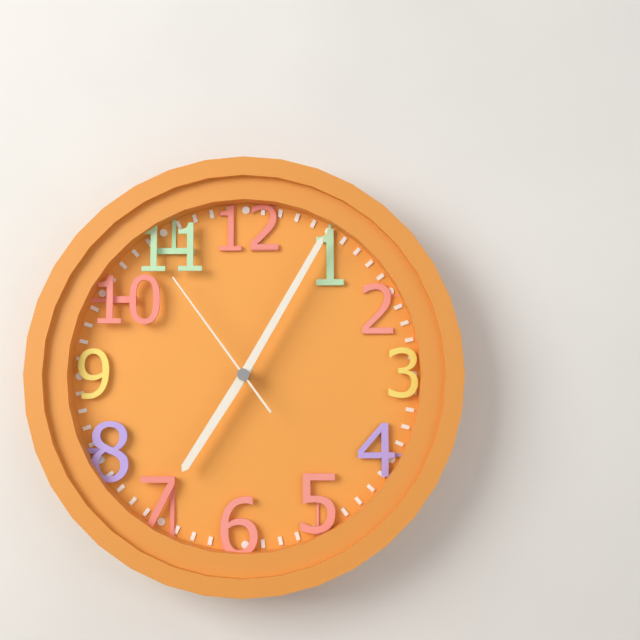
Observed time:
7:05:54
